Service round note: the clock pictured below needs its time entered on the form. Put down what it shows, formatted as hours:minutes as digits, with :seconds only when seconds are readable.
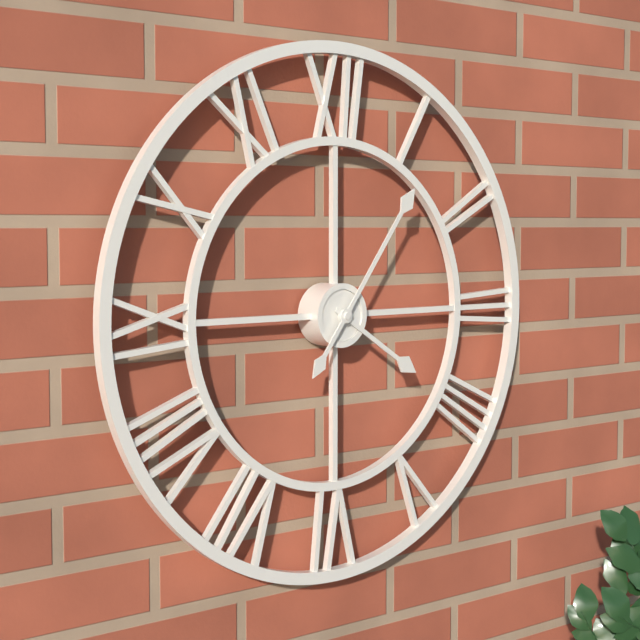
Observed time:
4:06
